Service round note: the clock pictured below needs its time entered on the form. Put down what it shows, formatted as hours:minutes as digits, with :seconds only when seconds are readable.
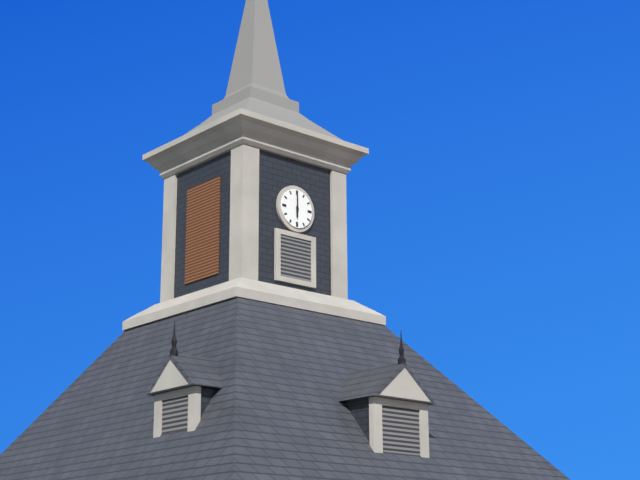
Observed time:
6:00
